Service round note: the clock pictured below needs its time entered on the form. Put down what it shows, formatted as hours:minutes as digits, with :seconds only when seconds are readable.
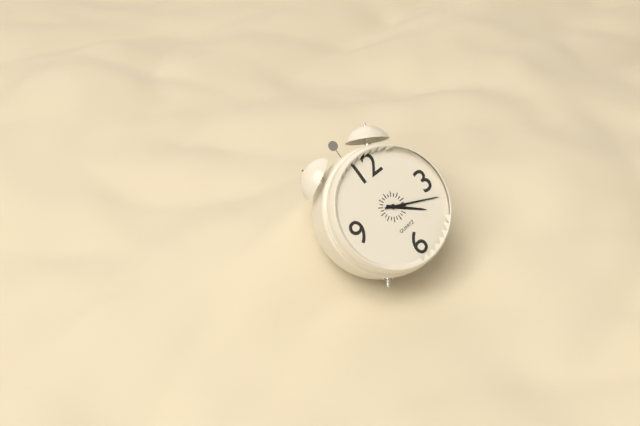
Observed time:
4:19
